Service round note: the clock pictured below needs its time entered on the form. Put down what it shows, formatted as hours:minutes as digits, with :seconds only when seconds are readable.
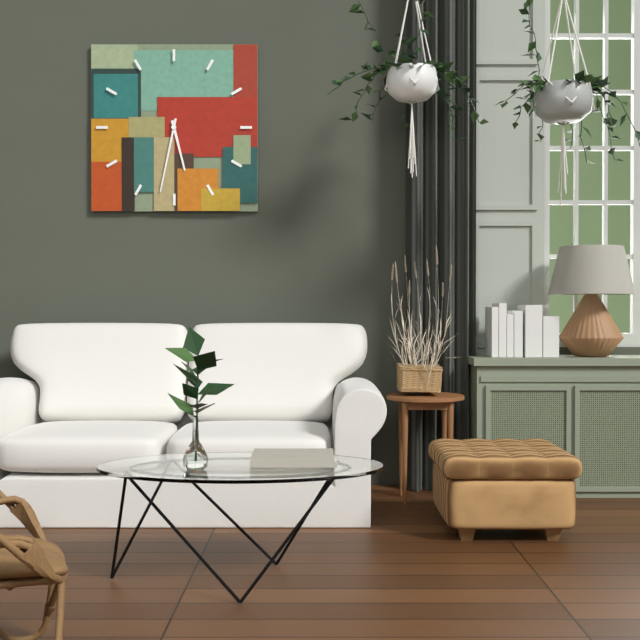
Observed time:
5:32
